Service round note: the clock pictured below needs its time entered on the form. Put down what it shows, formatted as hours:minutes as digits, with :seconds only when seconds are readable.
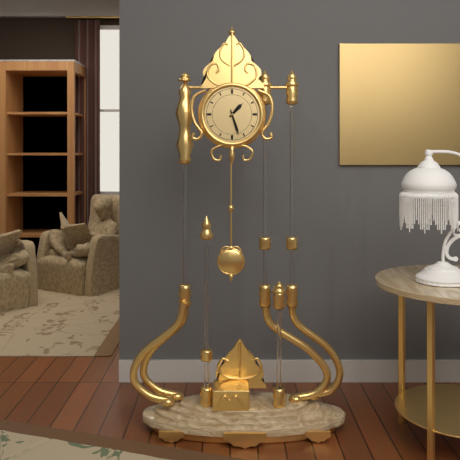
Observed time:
1:27
